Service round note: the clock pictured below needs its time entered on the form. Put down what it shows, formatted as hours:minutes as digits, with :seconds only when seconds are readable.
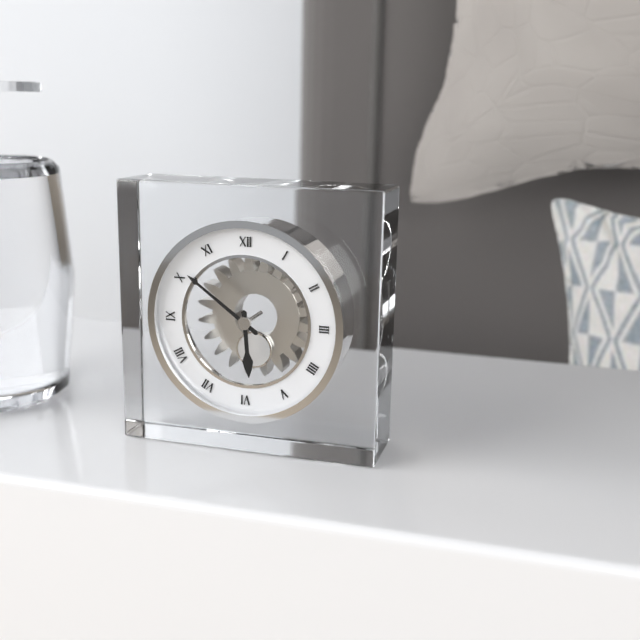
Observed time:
5:51
